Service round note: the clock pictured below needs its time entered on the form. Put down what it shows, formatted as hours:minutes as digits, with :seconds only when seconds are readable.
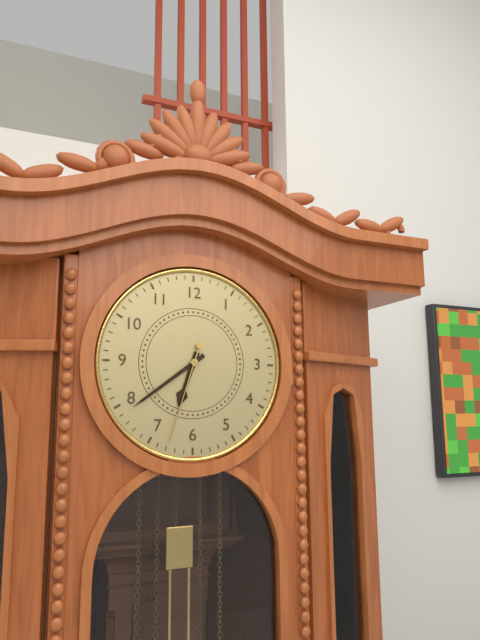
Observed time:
6:39:33
